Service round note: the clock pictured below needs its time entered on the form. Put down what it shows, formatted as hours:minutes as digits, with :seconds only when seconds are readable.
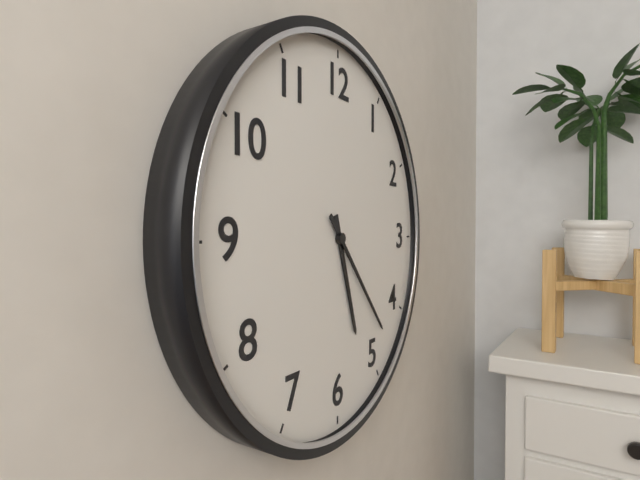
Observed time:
5:23
